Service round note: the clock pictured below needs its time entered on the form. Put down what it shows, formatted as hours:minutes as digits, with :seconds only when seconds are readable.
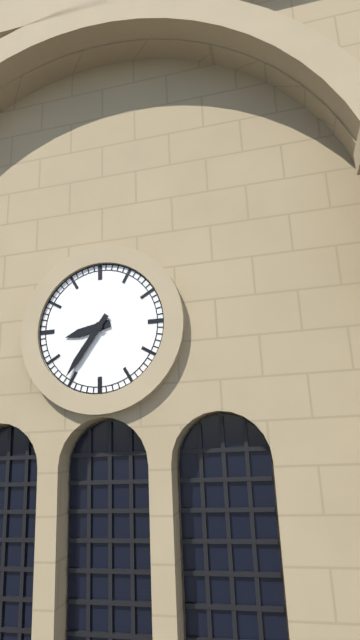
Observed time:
8:36
